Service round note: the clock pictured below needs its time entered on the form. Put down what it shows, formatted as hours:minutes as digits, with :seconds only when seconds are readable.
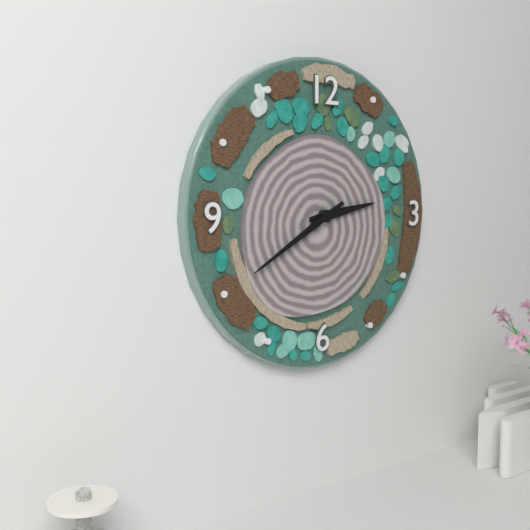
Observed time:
2:40
